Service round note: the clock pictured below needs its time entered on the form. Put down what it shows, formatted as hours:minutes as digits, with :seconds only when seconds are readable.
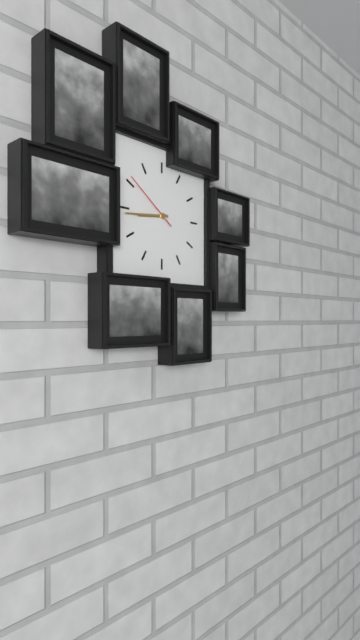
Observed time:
8:44:51
